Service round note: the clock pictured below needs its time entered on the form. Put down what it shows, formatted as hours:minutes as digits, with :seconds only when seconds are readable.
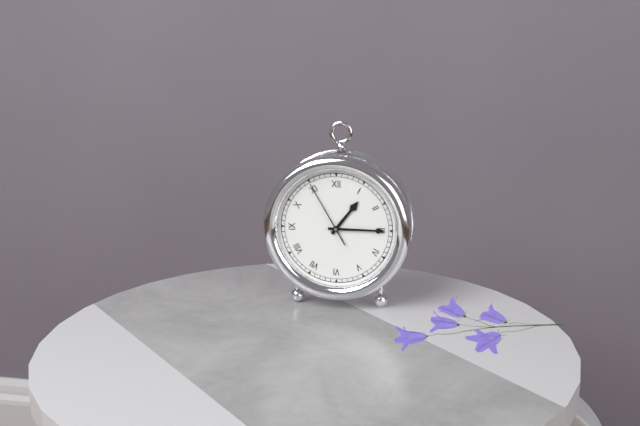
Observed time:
1:15:55
